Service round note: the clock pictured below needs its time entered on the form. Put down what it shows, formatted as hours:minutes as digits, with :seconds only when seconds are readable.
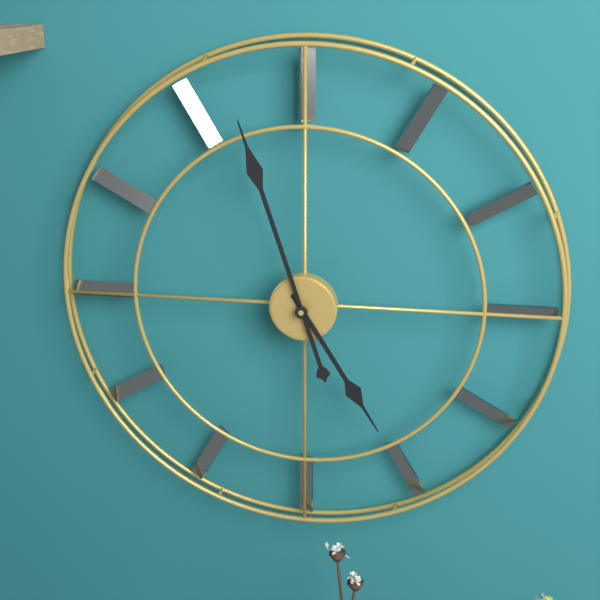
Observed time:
4:57
